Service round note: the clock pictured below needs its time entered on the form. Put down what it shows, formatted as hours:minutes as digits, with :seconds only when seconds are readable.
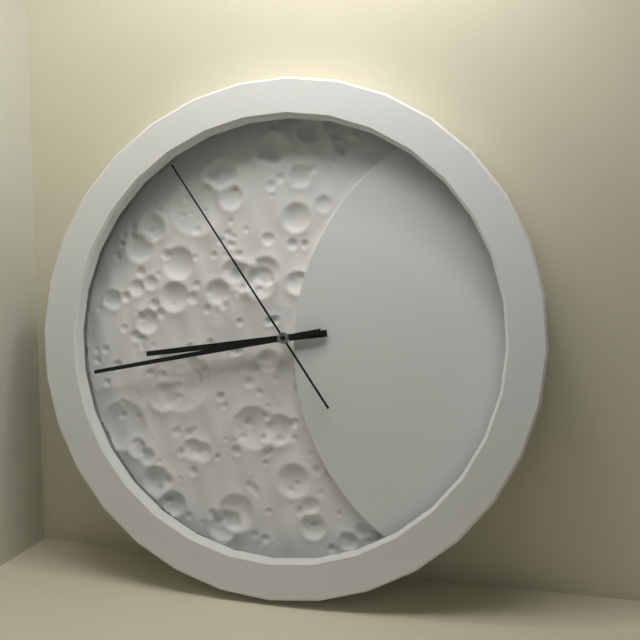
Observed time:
8:43:54
